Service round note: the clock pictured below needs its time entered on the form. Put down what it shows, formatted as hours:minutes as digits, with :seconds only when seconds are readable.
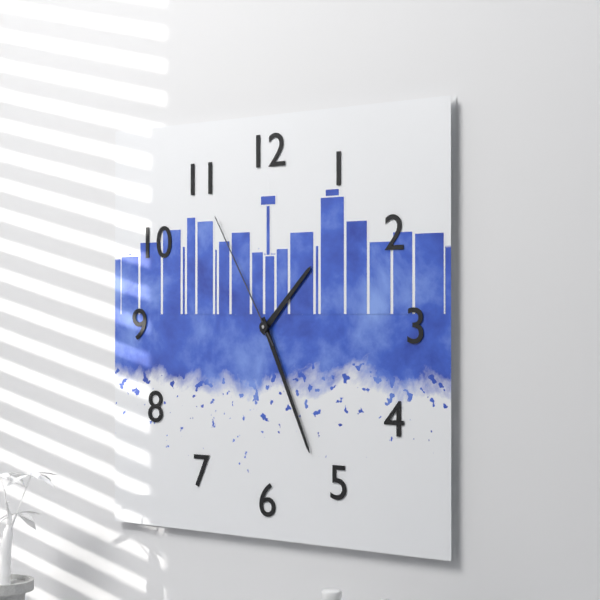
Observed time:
1:26:55
